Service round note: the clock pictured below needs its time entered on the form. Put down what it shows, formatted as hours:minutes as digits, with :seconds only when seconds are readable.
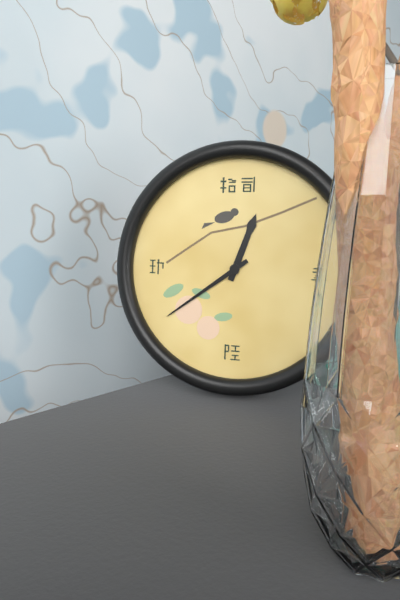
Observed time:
12:39
